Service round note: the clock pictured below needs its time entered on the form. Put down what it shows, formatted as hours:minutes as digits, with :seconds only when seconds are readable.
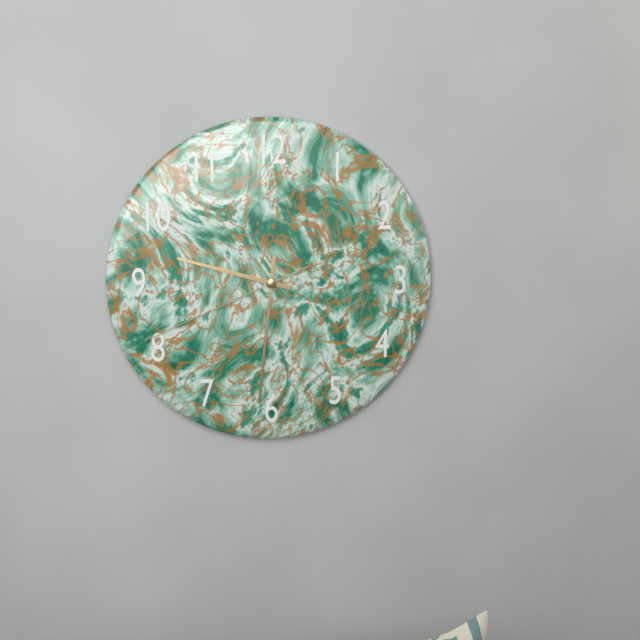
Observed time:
9:31:41
